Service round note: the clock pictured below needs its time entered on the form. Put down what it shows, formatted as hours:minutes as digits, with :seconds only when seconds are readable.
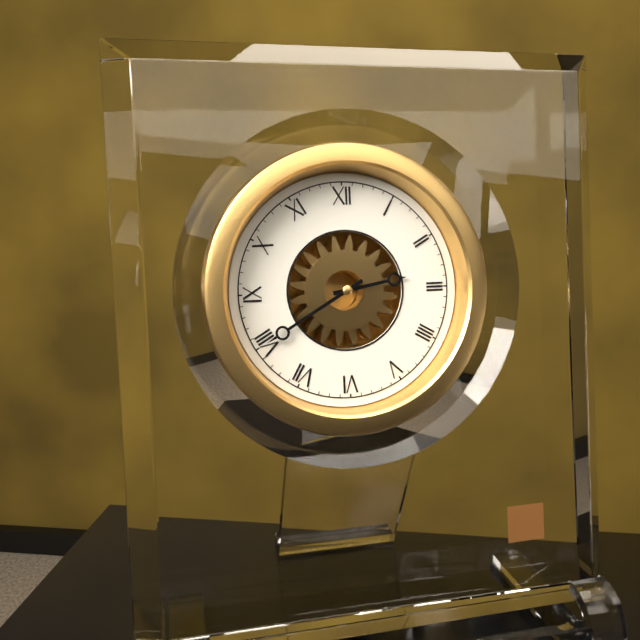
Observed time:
2:40
